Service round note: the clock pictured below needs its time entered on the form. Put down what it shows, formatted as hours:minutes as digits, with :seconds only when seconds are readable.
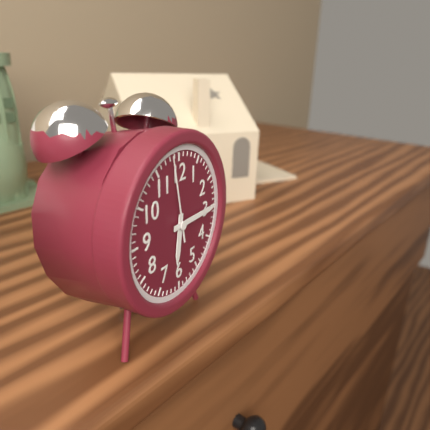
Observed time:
6:15:58
